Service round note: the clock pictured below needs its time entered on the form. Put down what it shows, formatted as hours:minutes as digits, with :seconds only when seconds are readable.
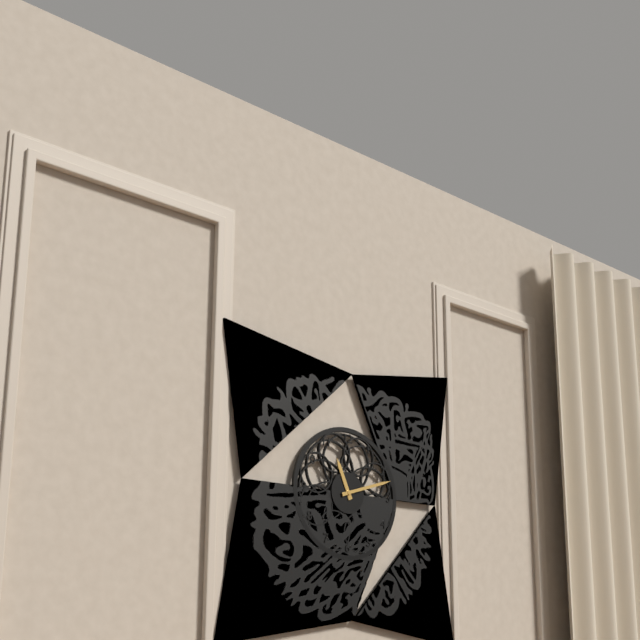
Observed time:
11:12
